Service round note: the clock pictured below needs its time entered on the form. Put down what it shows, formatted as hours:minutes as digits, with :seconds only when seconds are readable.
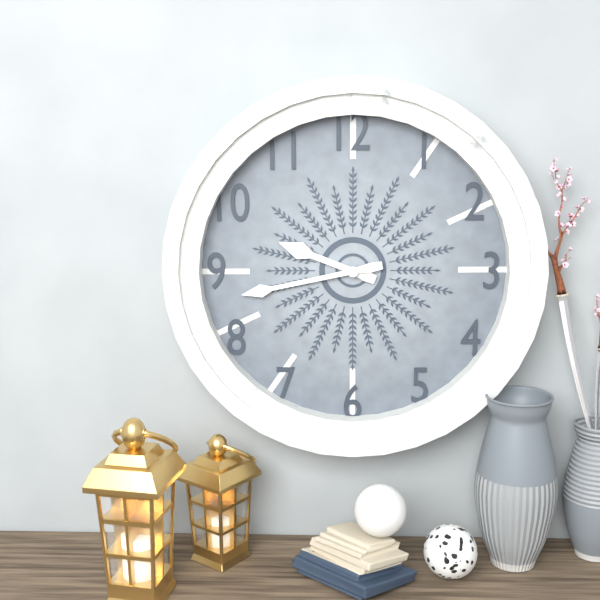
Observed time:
9:43
